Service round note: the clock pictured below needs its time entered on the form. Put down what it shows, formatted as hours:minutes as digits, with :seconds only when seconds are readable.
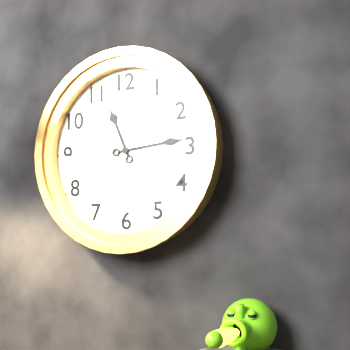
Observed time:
11:14
